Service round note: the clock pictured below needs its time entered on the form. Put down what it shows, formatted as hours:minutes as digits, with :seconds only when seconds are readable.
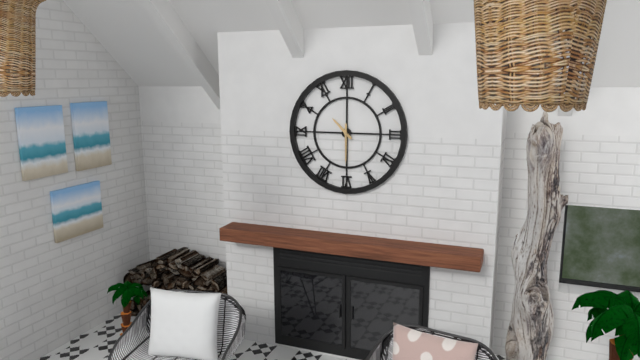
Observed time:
10:30
